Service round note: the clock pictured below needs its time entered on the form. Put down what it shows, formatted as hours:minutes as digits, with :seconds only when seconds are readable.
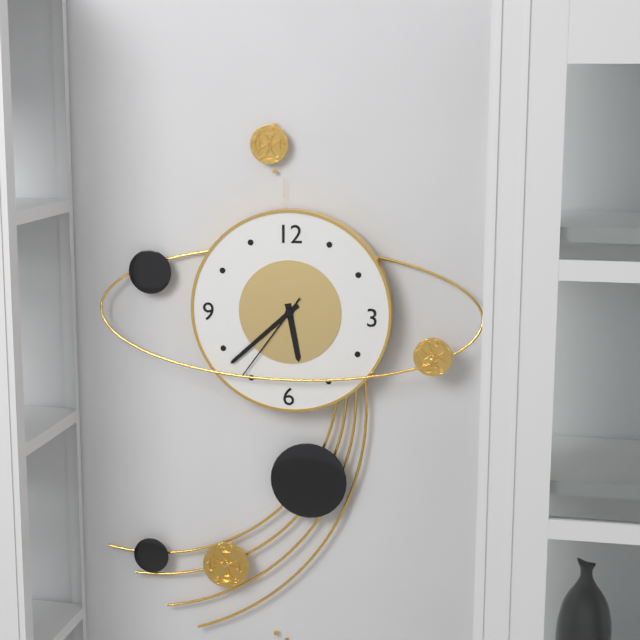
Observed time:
5:38:36
